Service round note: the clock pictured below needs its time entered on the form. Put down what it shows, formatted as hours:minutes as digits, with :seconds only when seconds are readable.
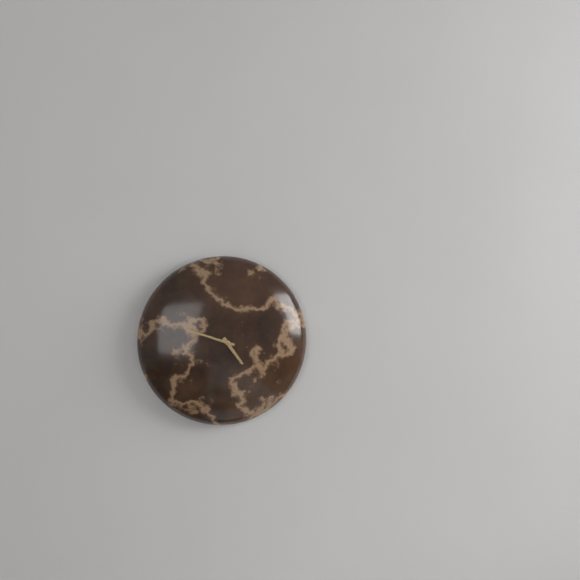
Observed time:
4:48
